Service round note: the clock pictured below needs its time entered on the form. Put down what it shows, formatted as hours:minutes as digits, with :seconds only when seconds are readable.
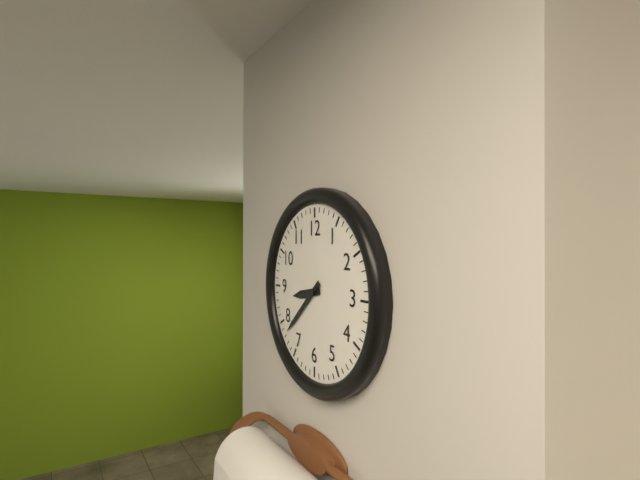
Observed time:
8:38
